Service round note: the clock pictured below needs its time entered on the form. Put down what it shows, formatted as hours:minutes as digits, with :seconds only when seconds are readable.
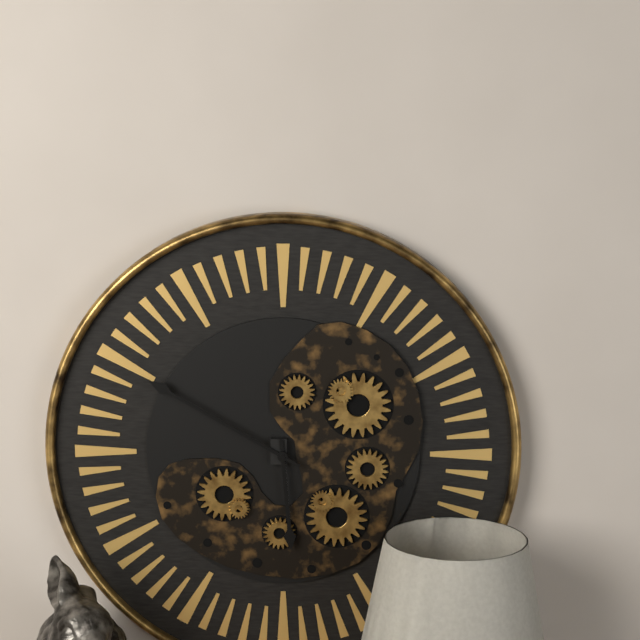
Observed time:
5:50
